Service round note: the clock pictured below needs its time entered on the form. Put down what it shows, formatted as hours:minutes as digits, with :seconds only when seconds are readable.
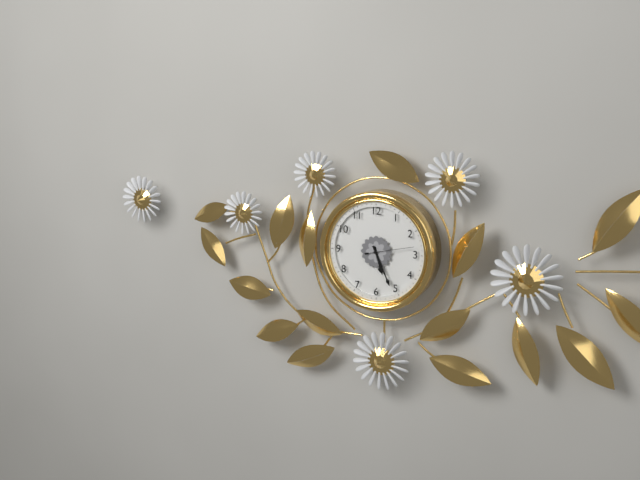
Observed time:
5:26
